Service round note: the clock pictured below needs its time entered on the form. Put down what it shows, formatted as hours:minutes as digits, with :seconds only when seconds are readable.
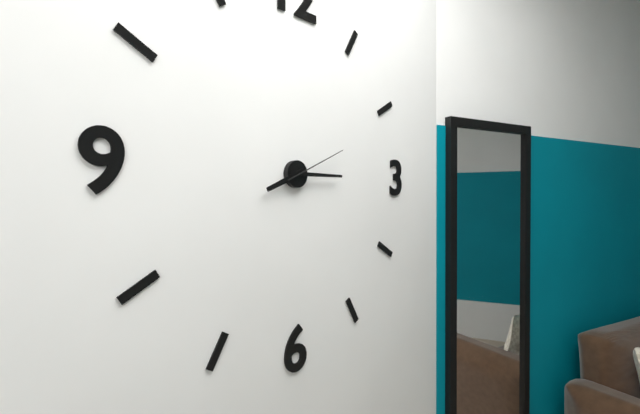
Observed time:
8:15:11
